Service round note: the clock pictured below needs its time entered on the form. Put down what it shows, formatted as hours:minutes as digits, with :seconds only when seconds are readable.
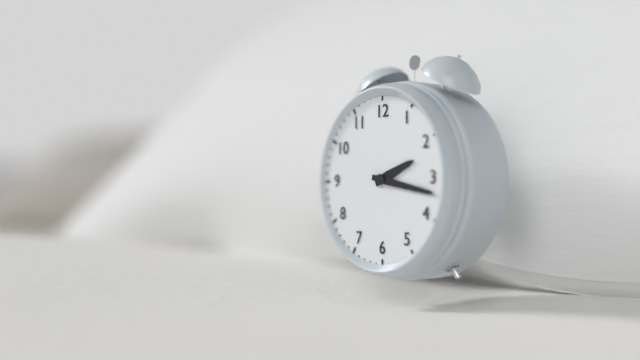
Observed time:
2:17
